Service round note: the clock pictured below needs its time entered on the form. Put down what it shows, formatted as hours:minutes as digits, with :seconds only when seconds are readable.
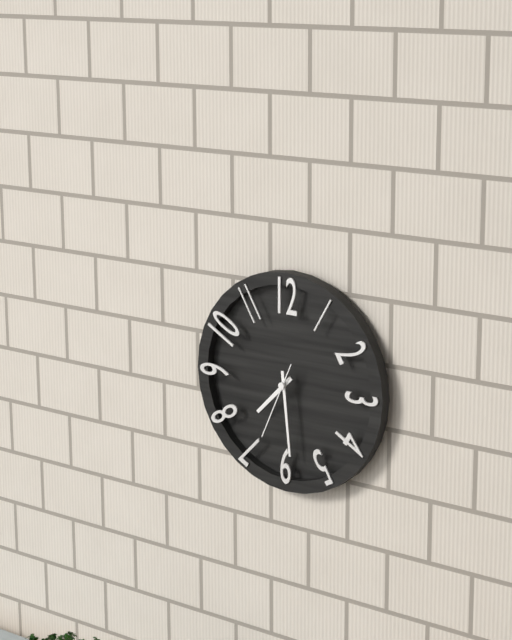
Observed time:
7:29:34
